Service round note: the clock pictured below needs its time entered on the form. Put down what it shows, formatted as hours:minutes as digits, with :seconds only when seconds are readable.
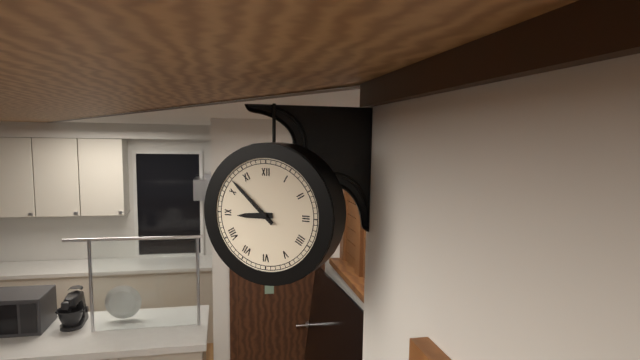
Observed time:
8:52
